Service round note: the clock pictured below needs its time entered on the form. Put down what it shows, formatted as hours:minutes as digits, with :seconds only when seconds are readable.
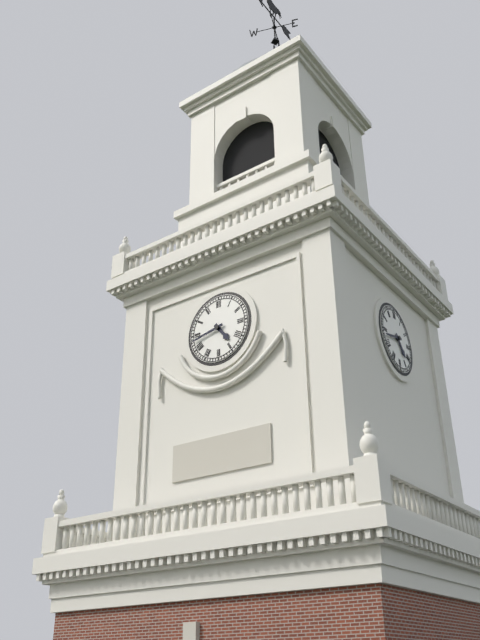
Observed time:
4:43
